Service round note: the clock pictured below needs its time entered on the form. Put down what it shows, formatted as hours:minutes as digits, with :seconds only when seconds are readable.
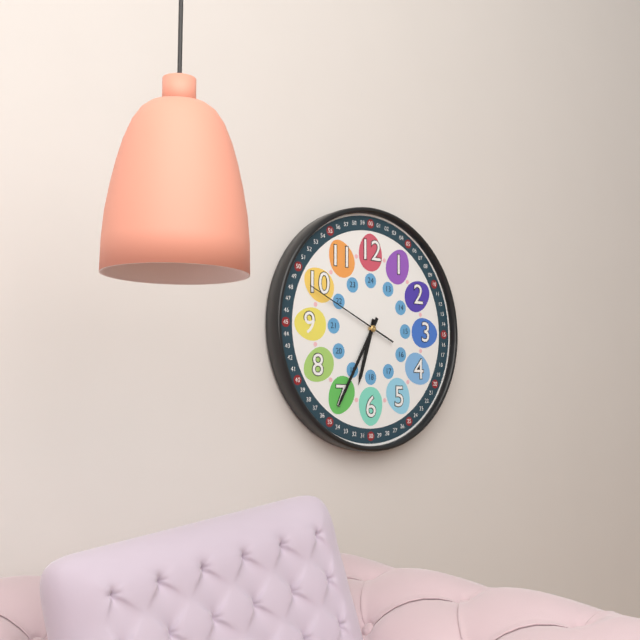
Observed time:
6:35:49
